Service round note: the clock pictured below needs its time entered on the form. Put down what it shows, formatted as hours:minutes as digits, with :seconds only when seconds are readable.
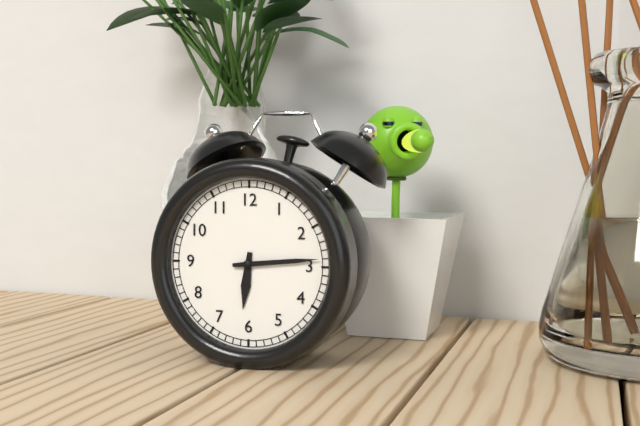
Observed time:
6:14
